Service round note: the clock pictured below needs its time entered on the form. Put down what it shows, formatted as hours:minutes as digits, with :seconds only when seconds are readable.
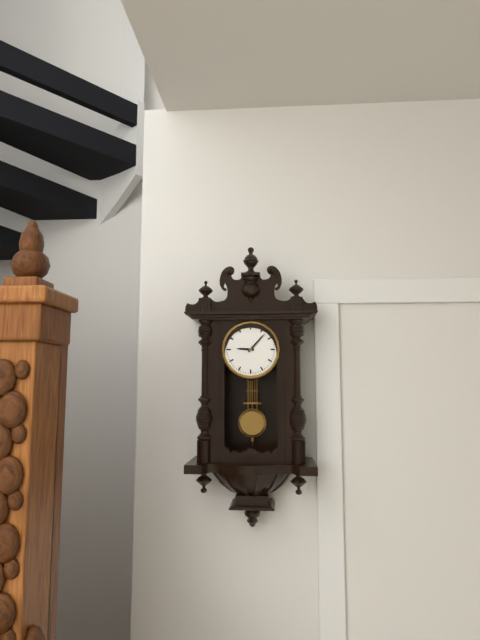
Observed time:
9:07
